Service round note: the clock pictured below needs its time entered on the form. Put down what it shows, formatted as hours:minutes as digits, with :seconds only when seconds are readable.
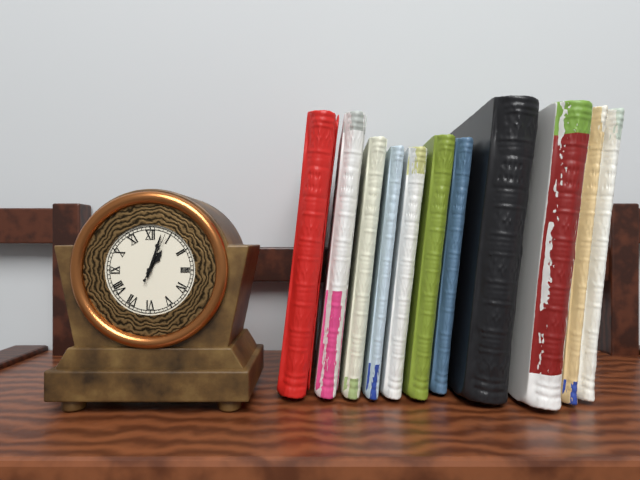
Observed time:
1:03
